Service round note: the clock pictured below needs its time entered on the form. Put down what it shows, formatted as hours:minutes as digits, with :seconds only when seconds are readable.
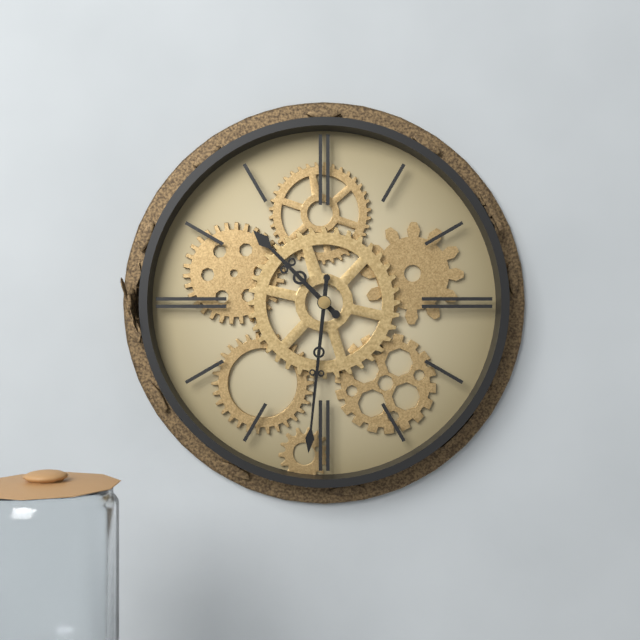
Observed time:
10:31
